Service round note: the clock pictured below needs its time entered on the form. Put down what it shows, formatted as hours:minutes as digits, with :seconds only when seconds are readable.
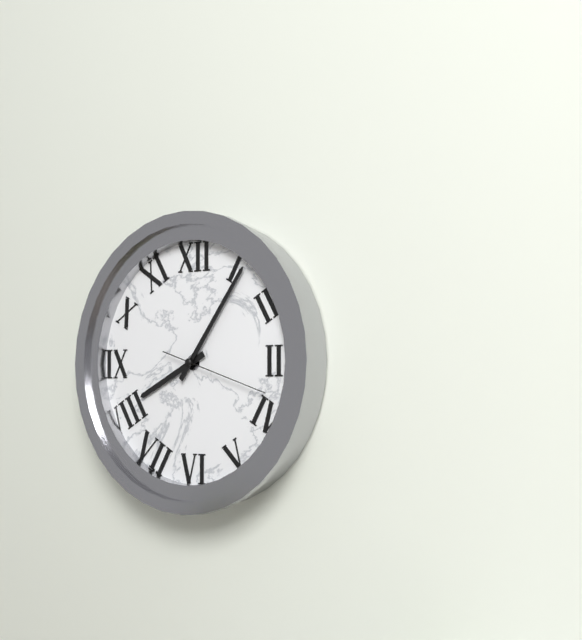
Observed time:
8:06:18
